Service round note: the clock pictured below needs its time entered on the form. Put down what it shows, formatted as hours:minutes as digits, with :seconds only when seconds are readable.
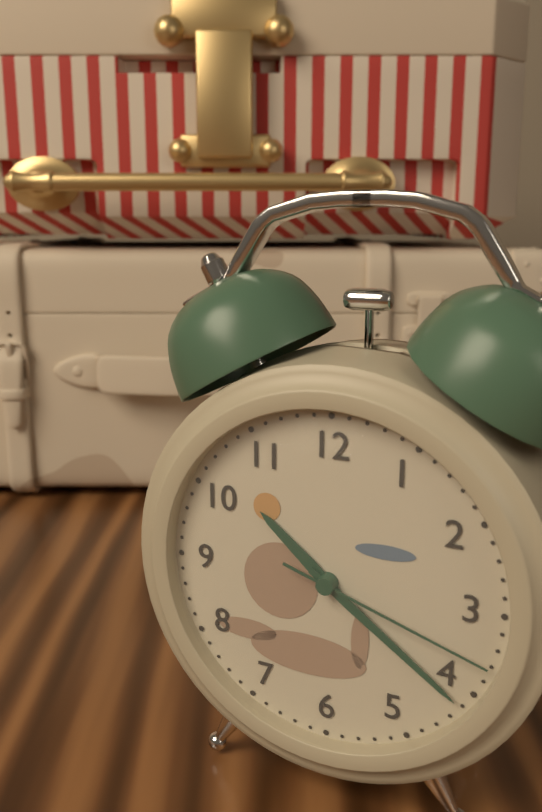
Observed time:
10:21:18
